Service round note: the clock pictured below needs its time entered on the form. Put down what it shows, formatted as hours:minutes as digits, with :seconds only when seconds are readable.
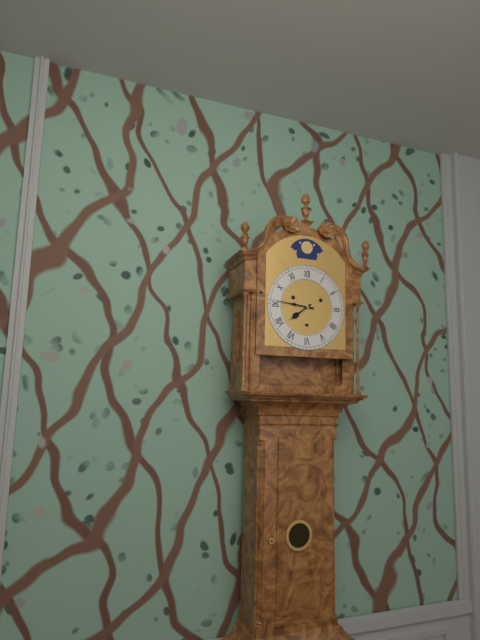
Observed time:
7:46
